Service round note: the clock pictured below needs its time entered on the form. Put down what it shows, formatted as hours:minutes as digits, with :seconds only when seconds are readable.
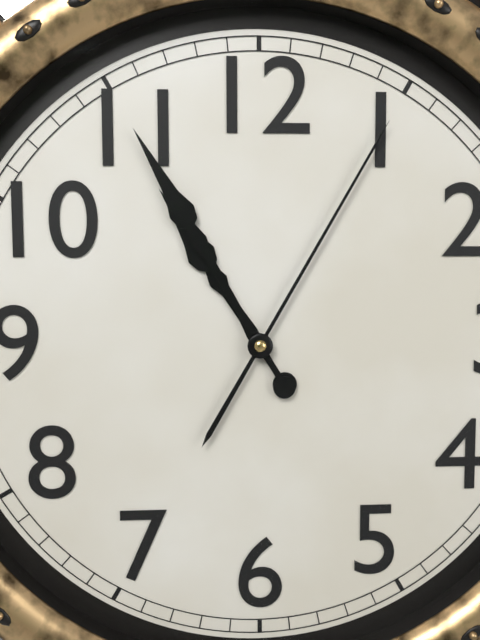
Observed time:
10:55:05
